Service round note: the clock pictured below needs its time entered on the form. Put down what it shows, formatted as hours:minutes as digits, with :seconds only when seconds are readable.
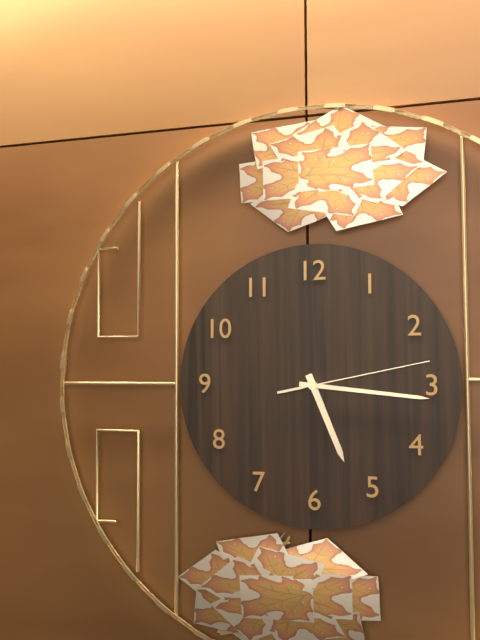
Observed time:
5:16:13
